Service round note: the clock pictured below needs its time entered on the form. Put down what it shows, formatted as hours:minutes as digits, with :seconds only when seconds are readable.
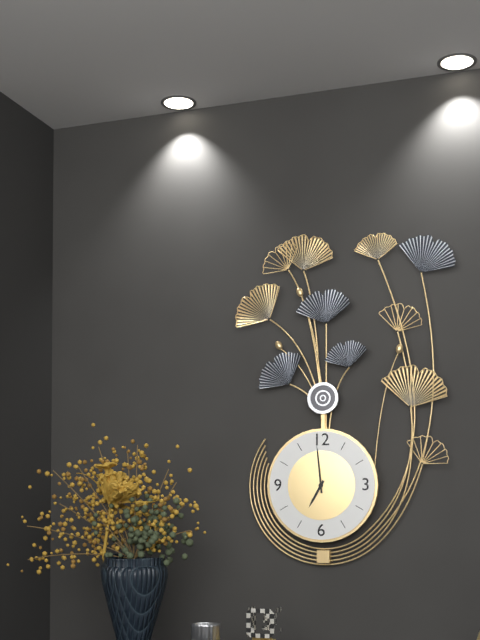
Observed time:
6:59
